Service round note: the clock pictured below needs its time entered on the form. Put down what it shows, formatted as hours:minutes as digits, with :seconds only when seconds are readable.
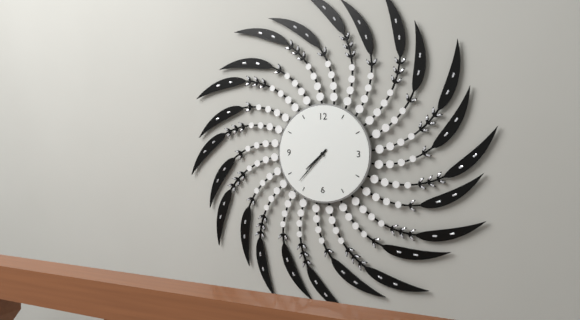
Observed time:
7:37
